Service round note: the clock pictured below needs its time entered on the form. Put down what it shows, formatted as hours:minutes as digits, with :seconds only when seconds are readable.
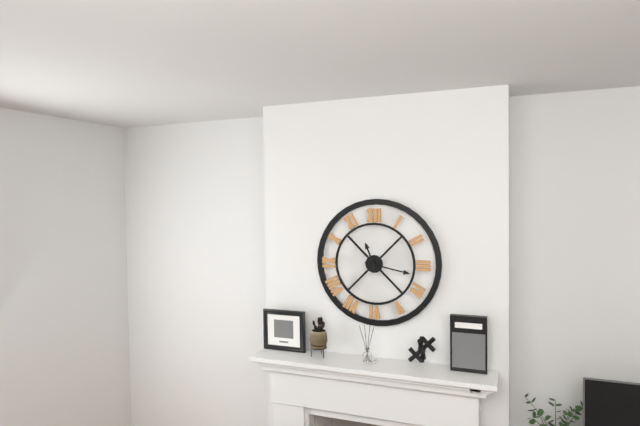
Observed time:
11:17
